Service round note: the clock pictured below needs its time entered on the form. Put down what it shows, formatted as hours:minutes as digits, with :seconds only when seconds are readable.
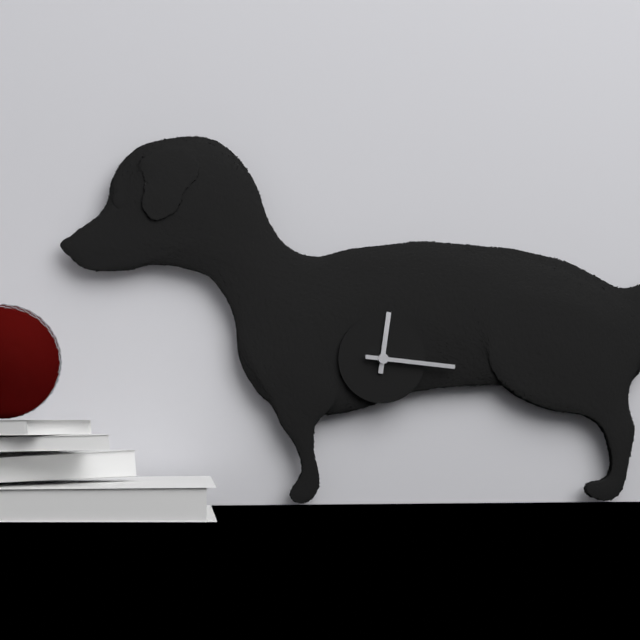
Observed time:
12:16
